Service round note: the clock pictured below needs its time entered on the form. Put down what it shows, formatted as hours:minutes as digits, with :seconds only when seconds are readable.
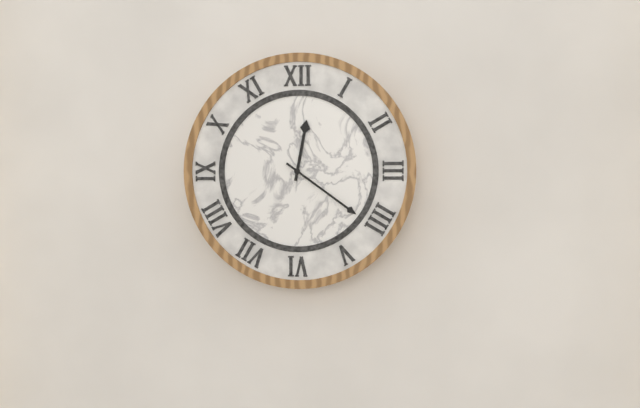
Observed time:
12:21
